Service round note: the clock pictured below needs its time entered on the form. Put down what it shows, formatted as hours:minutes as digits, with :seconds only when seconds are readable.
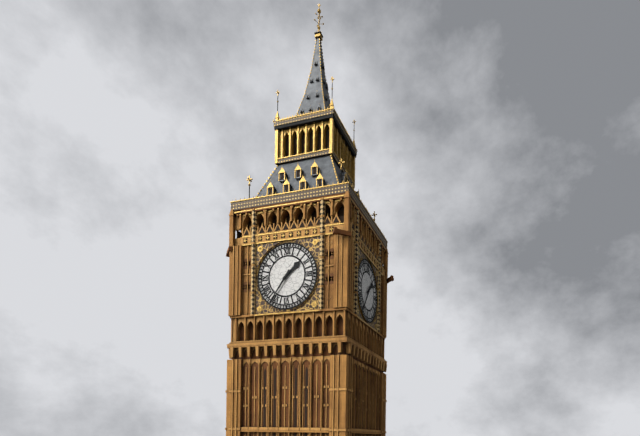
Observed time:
1:36
